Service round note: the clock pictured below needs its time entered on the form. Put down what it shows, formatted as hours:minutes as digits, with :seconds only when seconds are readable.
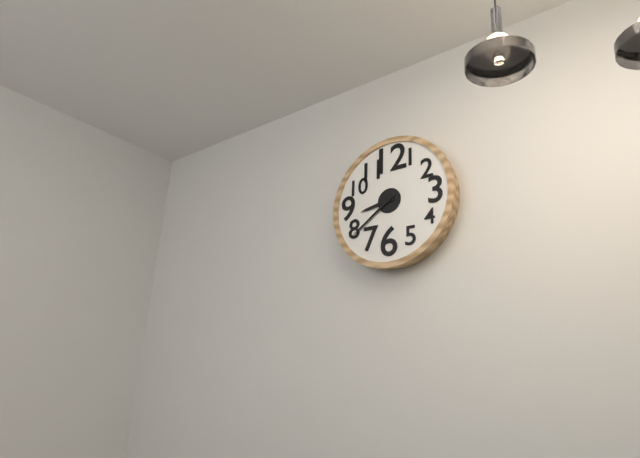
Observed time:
8:39
